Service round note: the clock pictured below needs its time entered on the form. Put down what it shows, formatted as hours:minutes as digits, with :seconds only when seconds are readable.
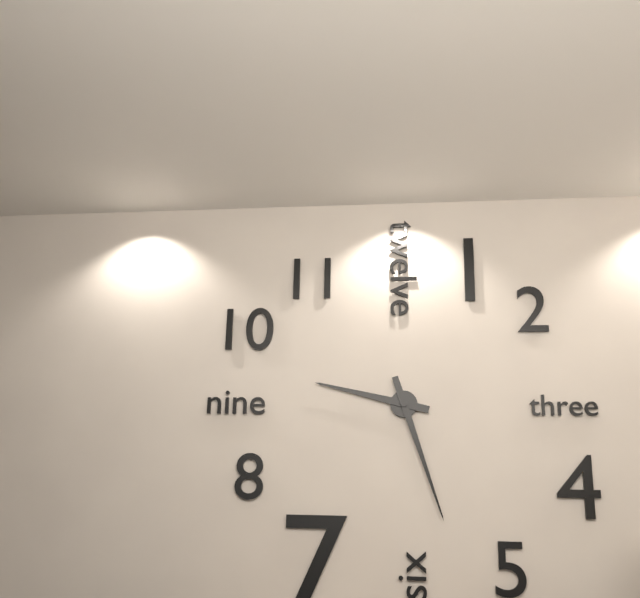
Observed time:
9:27
